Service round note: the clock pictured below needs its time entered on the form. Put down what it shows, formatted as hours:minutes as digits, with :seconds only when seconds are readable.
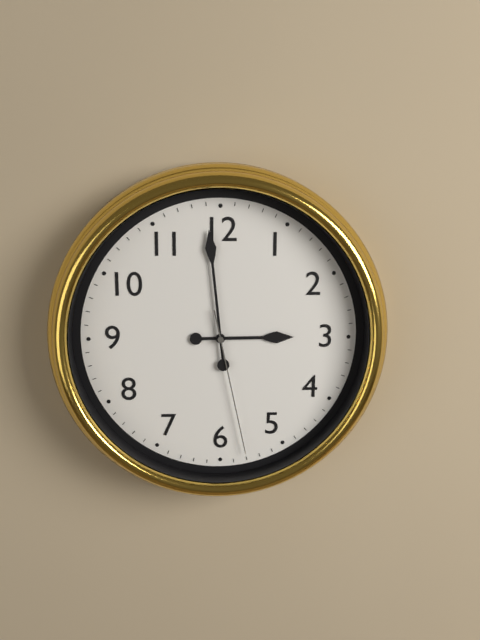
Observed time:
2:59:28
